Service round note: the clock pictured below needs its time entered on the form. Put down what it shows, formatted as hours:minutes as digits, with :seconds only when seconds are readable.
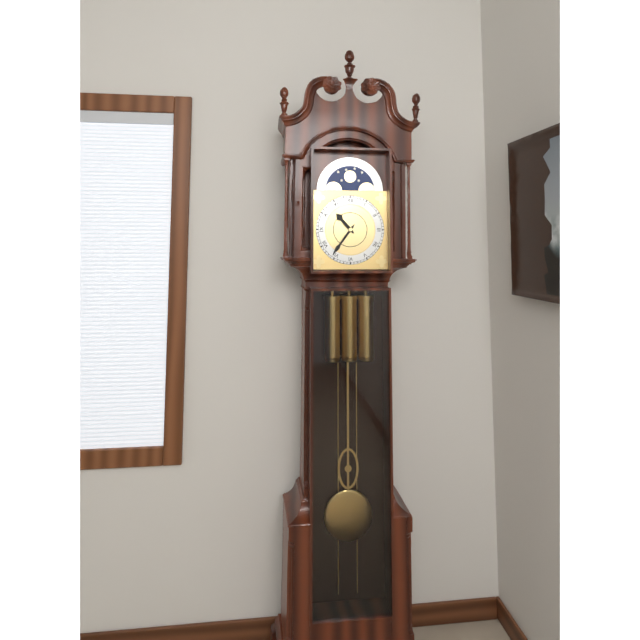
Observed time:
10:36
